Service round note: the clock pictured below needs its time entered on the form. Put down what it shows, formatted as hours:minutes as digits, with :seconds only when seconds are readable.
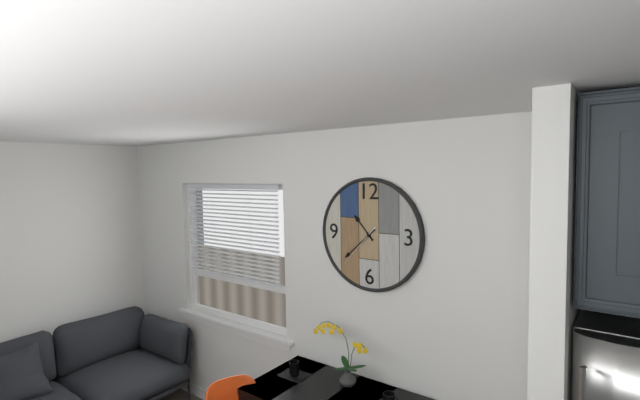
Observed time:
10:38
